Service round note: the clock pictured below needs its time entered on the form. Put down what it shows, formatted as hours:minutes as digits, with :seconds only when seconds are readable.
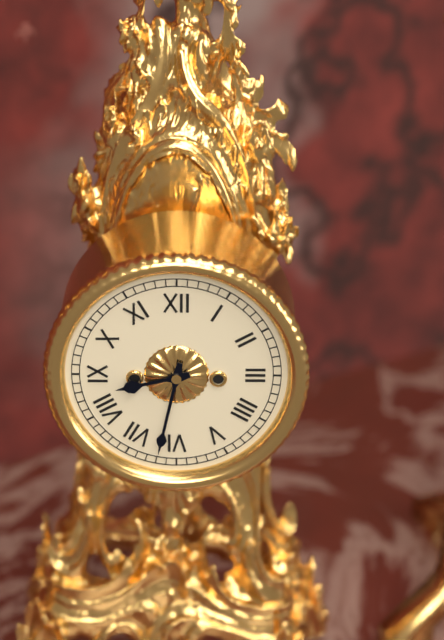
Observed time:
8:32
